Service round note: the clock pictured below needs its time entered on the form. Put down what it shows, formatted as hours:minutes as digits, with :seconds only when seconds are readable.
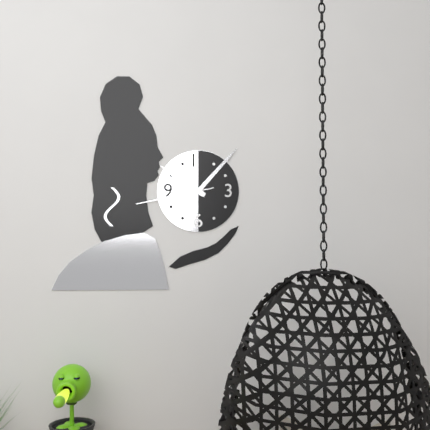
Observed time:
10:07:43
